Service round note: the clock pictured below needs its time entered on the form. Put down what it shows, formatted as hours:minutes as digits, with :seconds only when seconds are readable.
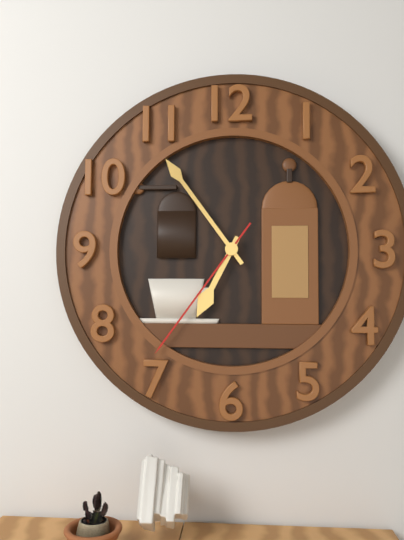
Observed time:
6:54:36
